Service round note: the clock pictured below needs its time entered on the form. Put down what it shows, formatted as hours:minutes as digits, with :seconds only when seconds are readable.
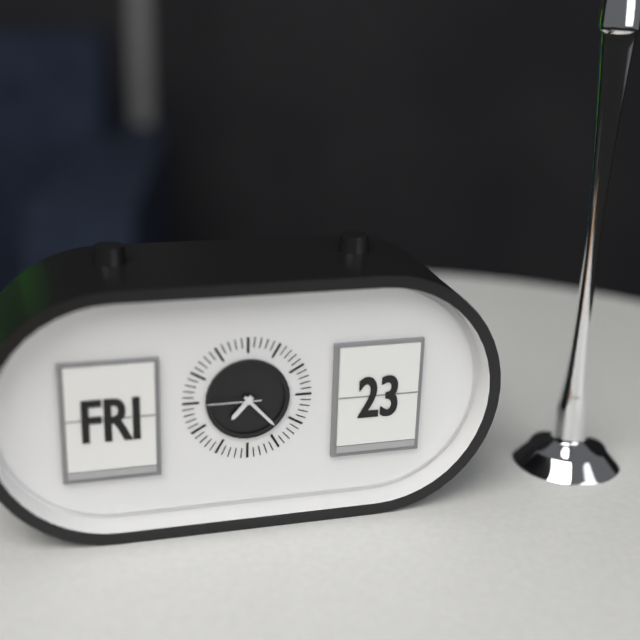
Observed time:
7:23:45
